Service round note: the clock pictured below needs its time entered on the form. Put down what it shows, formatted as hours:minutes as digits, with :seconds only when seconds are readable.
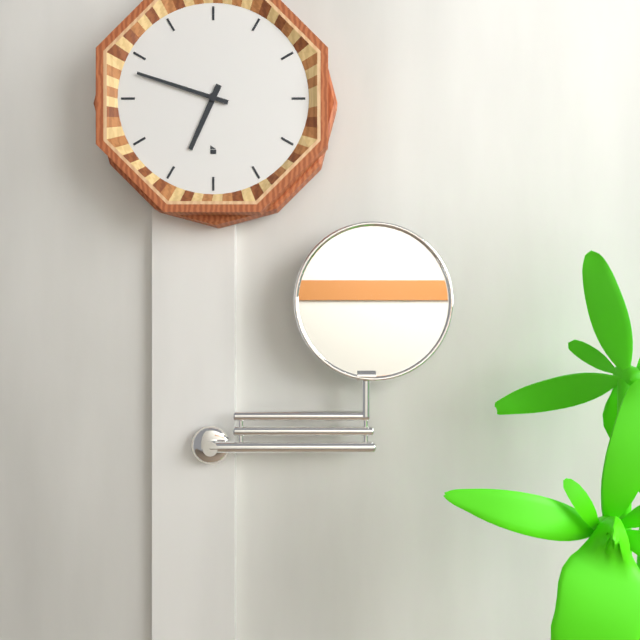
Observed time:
6:48
